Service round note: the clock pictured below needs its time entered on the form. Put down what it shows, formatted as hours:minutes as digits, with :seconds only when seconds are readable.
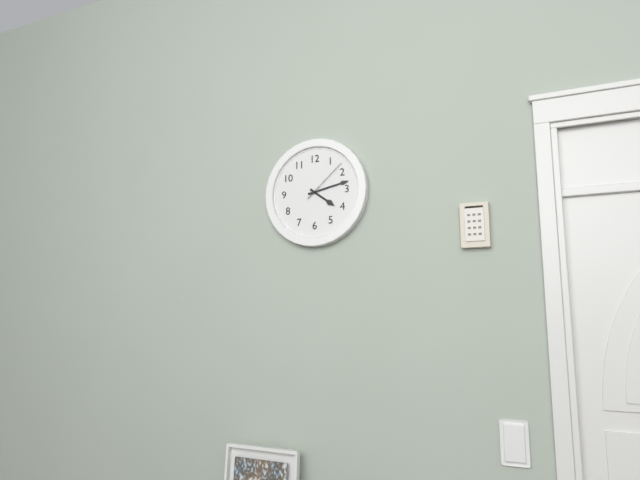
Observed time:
4:13:08
